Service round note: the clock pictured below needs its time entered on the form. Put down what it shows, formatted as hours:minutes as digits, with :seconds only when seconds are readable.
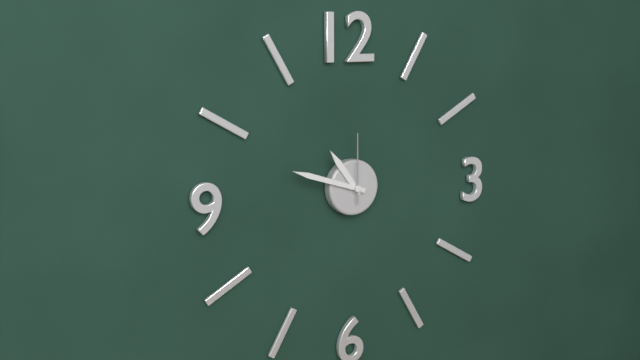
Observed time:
10:48:00
